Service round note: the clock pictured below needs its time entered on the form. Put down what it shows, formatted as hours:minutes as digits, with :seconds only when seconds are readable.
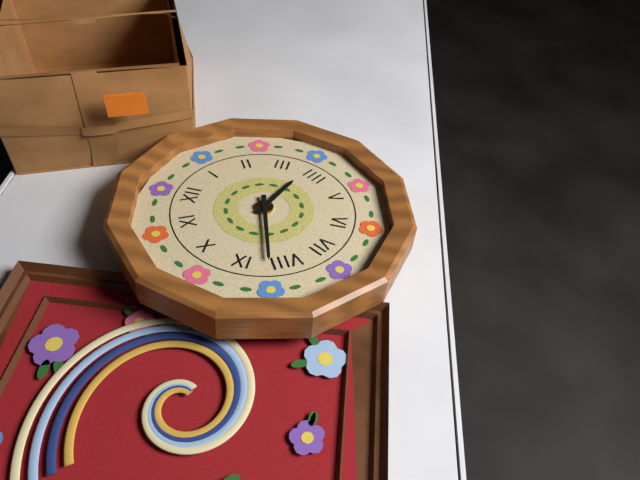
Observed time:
3:42
